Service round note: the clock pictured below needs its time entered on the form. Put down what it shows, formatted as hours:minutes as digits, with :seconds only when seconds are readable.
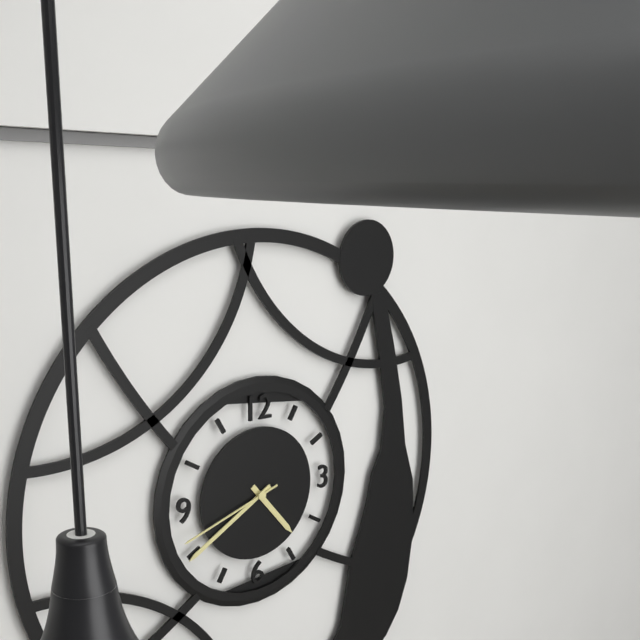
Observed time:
4:40:42
